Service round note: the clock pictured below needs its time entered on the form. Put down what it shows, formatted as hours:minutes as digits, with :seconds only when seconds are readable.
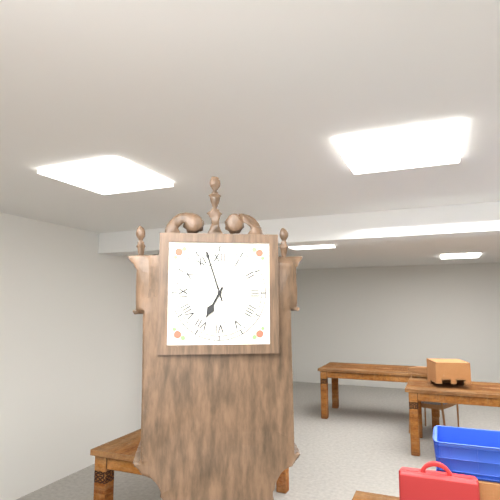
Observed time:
6:57
